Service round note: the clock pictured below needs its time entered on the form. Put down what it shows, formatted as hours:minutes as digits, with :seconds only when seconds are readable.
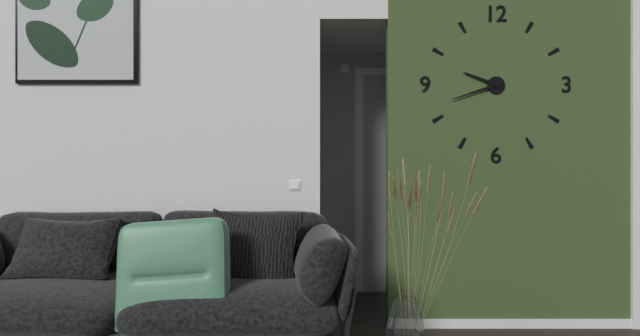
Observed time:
9:42
